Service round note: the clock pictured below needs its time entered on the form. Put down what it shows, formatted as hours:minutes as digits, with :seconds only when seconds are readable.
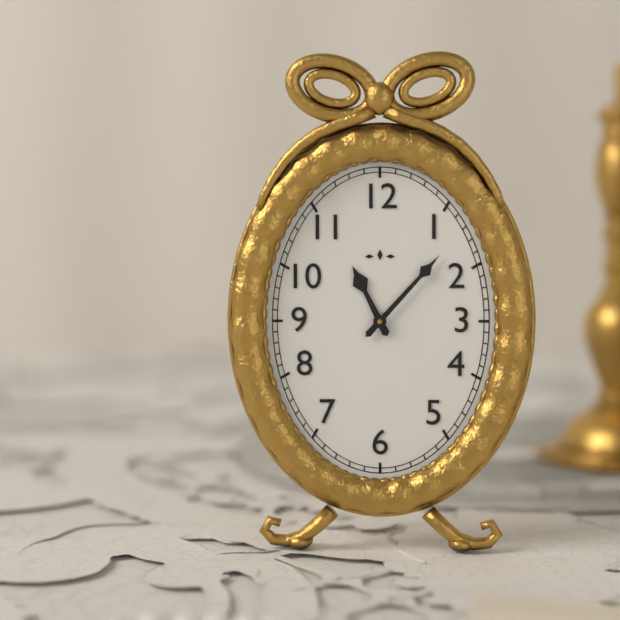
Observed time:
11:07
